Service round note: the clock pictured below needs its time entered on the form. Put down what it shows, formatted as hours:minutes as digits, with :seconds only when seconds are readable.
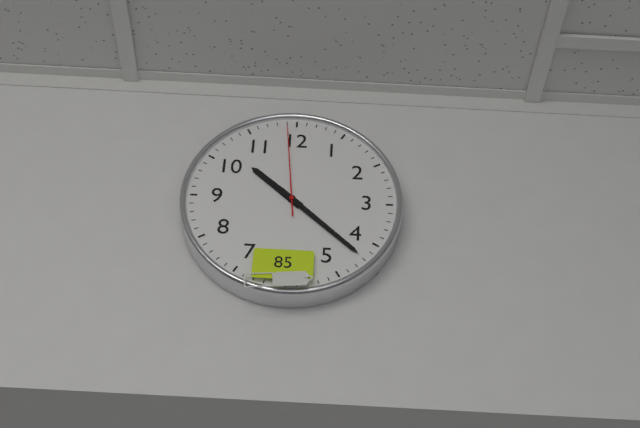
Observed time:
10:22:59
